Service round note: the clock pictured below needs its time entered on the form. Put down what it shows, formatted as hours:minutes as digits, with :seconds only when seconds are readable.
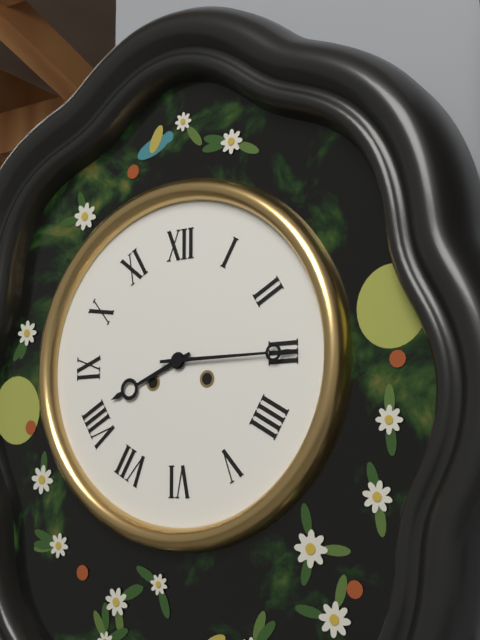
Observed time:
8:15
